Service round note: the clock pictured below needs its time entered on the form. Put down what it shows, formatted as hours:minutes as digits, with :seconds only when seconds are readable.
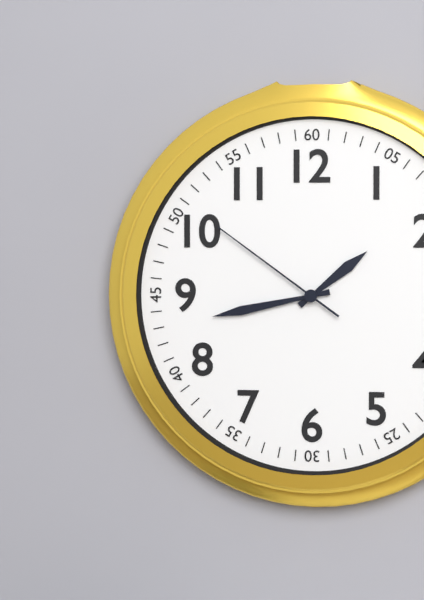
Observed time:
1:43:51
